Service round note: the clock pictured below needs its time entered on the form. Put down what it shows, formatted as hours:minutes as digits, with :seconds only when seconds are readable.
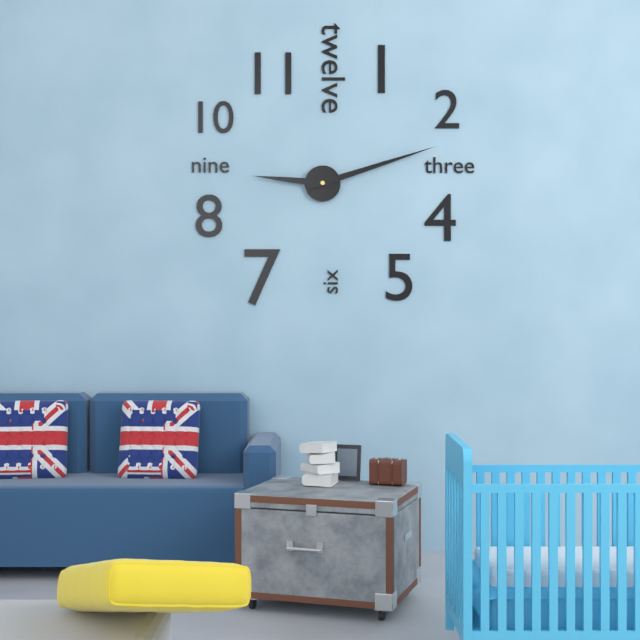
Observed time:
9:12
